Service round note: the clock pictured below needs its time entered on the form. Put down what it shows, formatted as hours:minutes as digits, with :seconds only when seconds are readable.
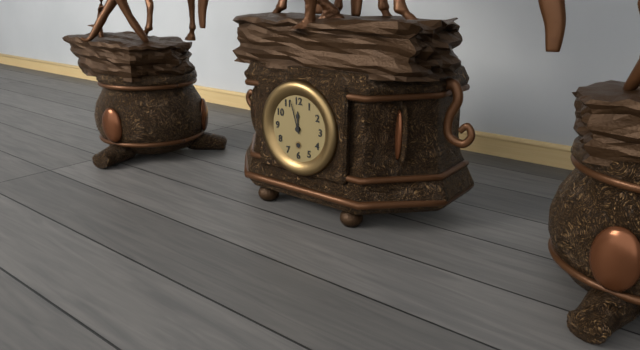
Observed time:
11:57
